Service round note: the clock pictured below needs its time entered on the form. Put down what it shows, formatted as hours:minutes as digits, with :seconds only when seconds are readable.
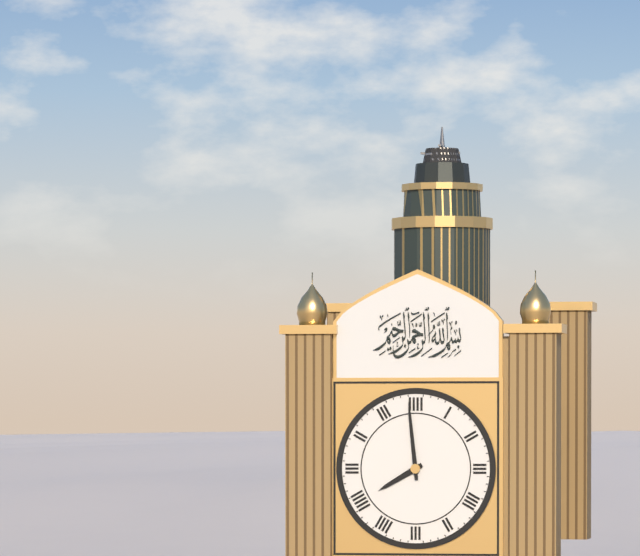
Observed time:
7:59
